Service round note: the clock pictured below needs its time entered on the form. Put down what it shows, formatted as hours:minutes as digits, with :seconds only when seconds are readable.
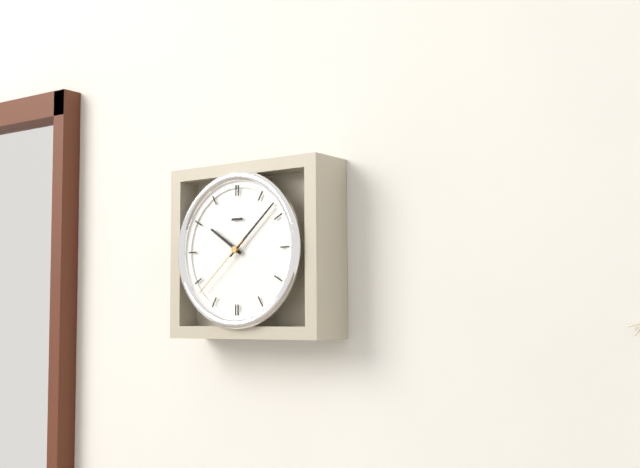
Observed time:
10:08:38
